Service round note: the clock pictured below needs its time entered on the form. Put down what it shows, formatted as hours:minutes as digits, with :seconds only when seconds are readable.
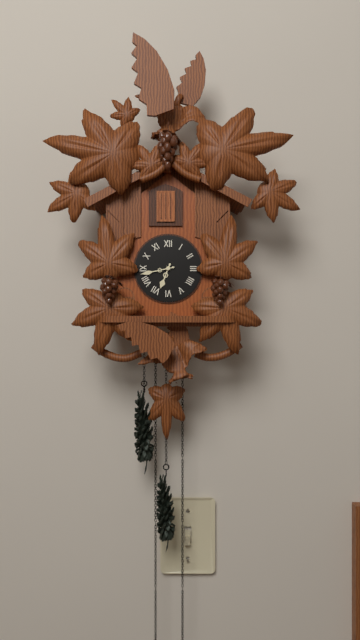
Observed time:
6:43
